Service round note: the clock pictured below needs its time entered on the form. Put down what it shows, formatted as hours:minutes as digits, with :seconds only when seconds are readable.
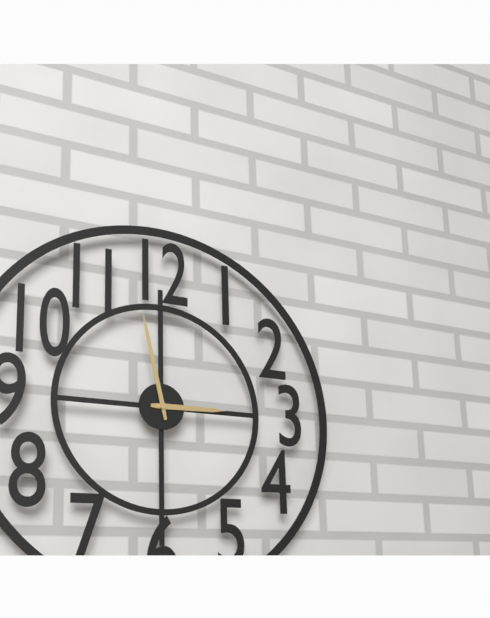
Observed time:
2:58
